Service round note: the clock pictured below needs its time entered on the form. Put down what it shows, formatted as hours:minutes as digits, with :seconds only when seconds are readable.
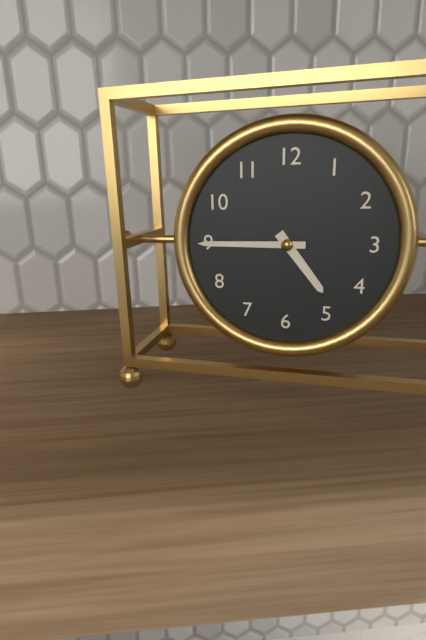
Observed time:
4:45
